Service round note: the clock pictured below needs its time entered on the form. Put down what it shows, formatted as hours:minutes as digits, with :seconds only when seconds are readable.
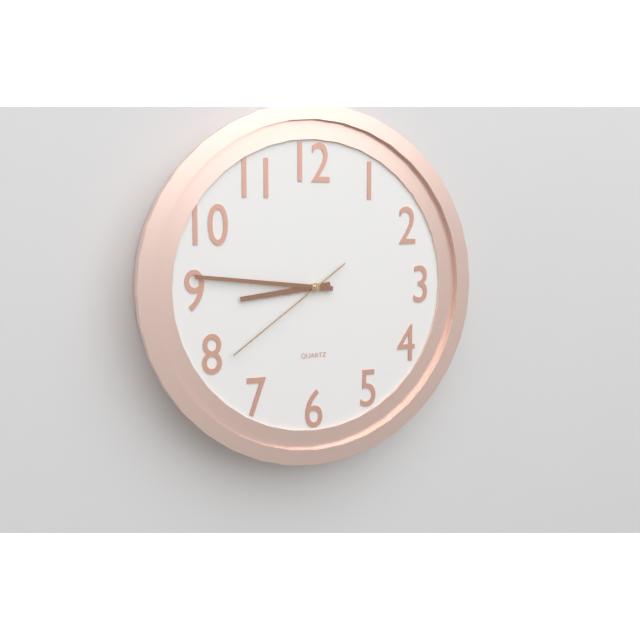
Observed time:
8:46:39
